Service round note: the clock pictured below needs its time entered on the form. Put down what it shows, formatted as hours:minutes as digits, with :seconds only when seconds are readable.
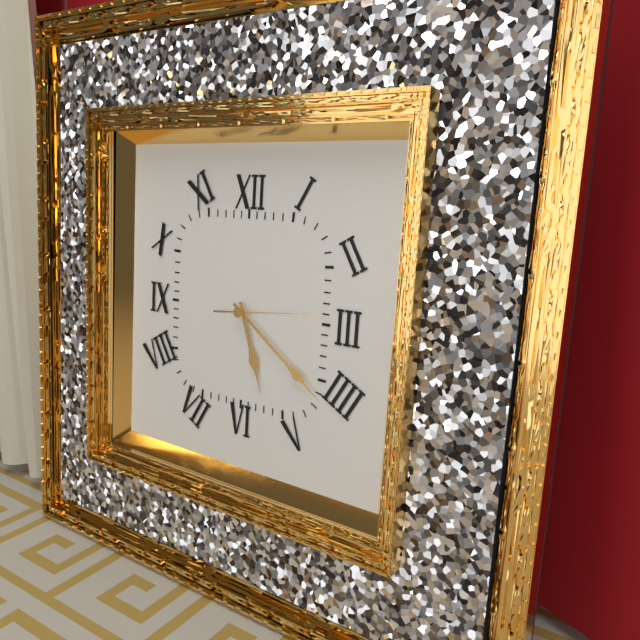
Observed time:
5:21:14
